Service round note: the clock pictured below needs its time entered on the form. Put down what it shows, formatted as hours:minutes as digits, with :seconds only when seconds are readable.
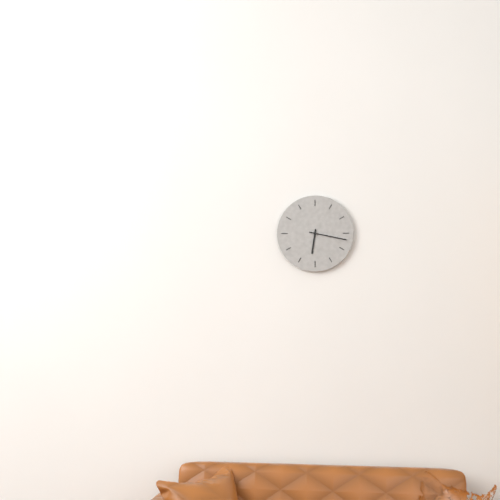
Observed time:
6:17
